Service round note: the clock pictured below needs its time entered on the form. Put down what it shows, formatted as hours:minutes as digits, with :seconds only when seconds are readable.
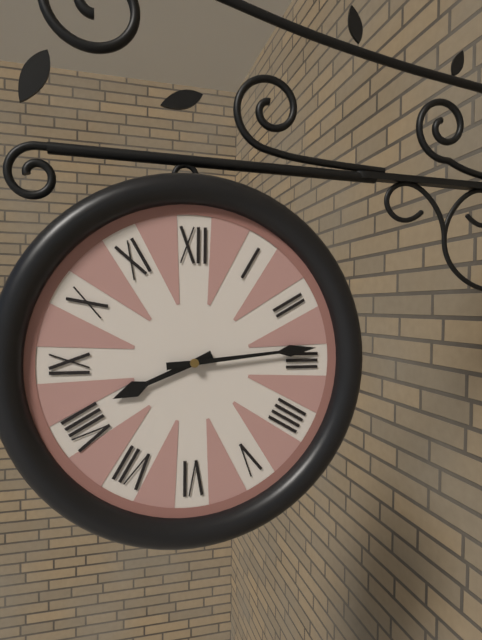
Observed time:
8:14
